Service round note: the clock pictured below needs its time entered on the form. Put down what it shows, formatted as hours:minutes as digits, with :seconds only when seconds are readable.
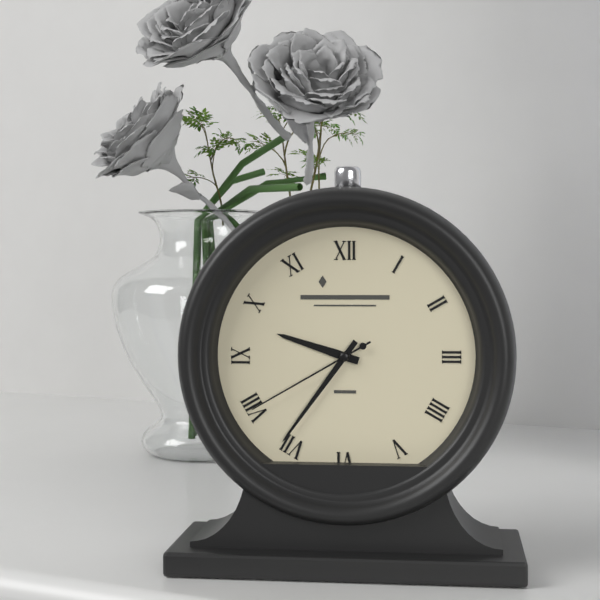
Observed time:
9:36:40
